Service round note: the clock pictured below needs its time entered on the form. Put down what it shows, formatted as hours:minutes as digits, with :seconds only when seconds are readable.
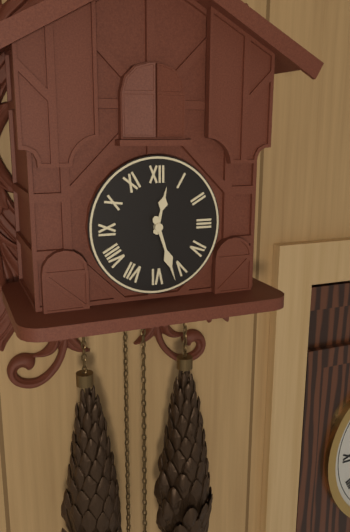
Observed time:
12:27
